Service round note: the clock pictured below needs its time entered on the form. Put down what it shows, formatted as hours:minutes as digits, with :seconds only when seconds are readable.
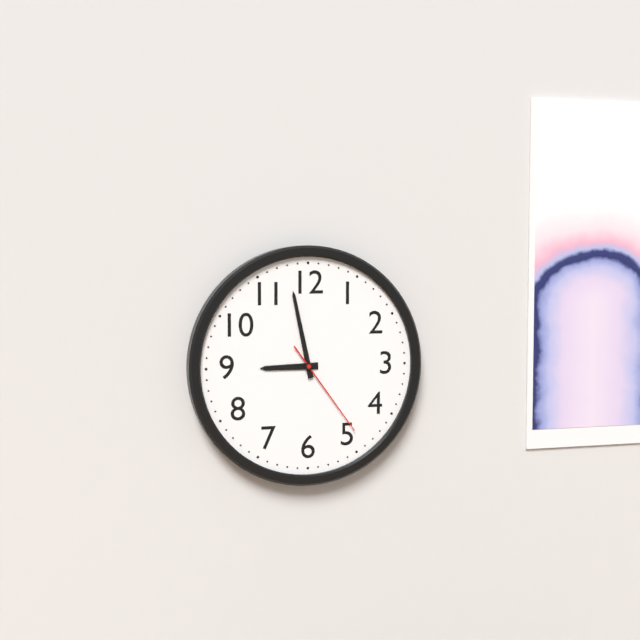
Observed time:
8:58:24
